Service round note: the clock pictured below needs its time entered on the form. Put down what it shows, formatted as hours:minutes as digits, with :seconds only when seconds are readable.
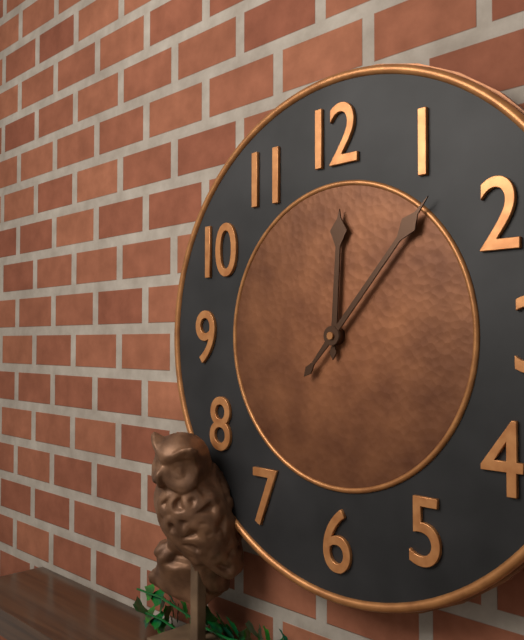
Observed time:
12:07
